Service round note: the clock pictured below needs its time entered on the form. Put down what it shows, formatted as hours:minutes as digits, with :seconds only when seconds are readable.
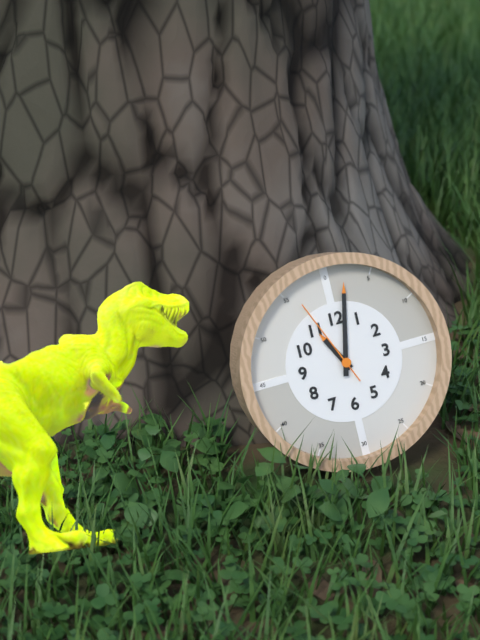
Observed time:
11:02:56
